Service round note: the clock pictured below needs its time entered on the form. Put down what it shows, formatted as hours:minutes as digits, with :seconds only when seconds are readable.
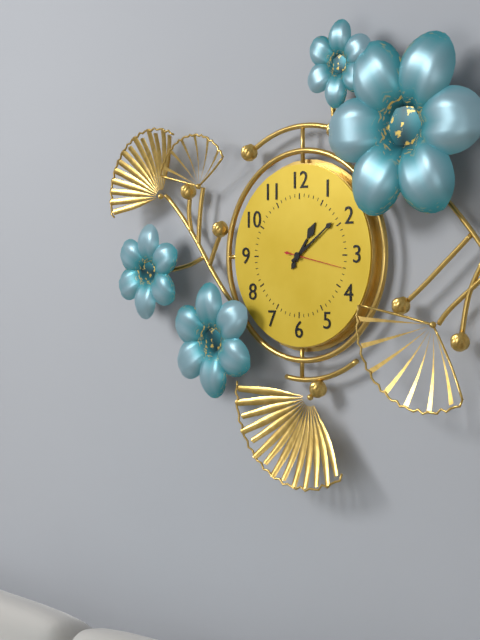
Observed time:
1:09:17
